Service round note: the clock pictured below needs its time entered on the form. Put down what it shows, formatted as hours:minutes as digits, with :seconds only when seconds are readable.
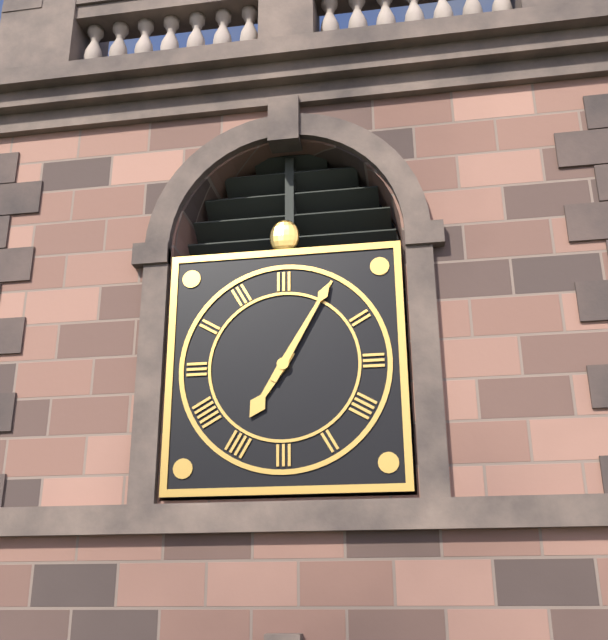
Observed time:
7:05
